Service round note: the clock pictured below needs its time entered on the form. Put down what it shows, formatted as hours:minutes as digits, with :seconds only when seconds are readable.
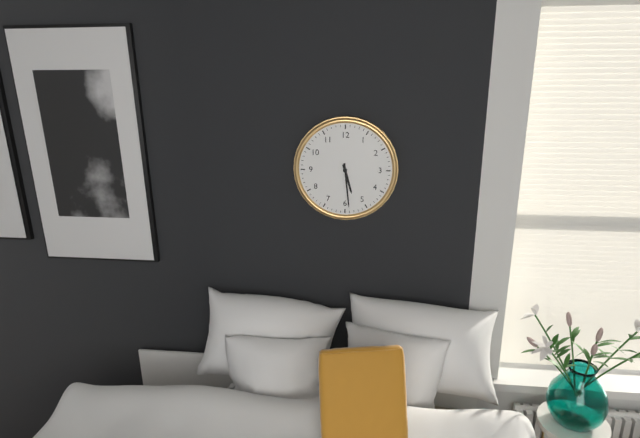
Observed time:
5:29
